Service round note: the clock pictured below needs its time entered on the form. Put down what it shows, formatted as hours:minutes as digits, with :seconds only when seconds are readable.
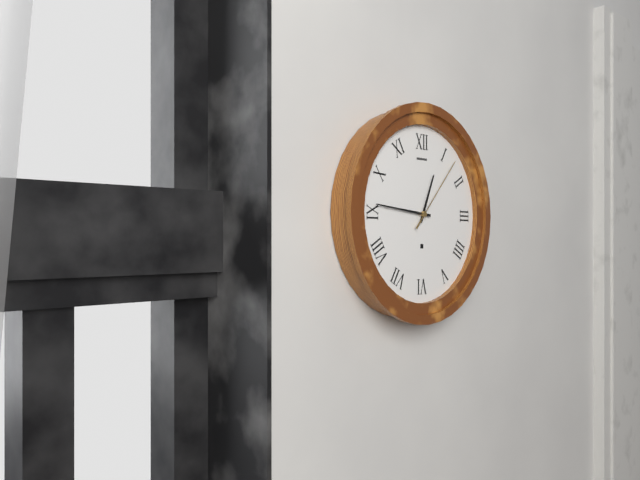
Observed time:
12:46:07
